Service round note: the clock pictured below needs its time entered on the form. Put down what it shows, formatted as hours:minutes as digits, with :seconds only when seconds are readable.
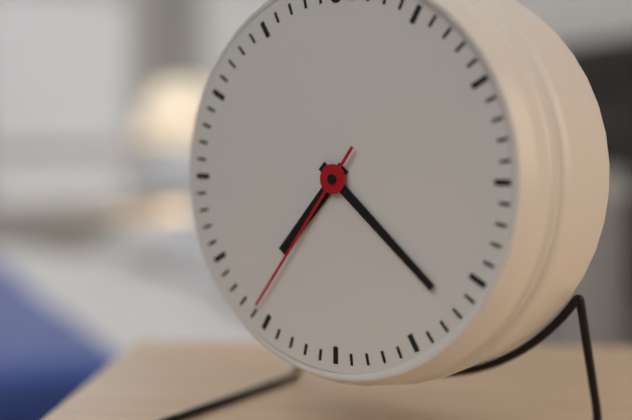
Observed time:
7:22:36
